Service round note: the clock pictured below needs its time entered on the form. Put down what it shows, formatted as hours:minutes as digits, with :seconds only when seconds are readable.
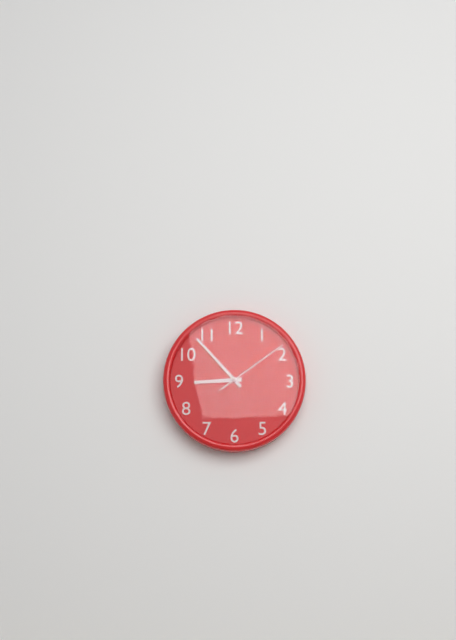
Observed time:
8:53:09
